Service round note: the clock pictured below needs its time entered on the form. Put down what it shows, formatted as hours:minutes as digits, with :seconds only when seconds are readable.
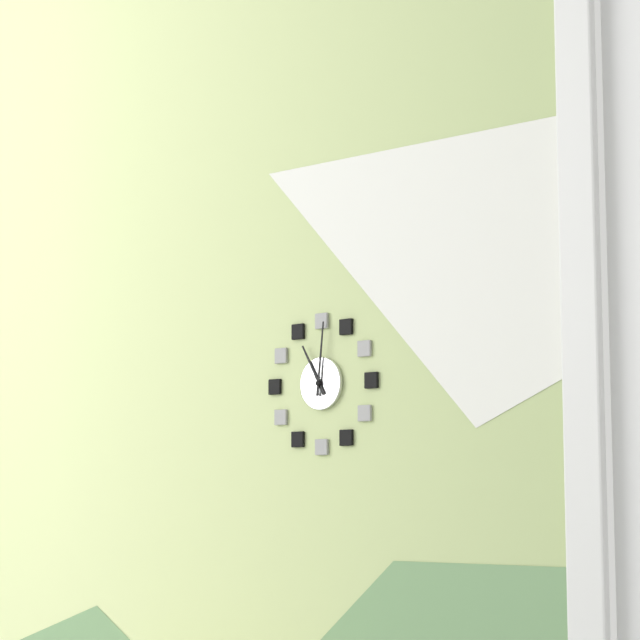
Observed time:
11:01
